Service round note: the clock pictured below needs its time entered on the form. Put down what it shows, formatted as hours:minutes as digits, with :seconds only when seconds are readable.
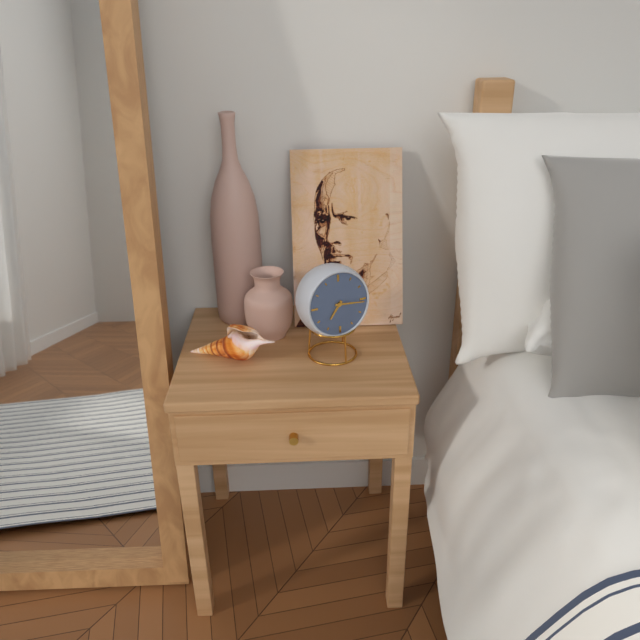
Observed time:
7:16
